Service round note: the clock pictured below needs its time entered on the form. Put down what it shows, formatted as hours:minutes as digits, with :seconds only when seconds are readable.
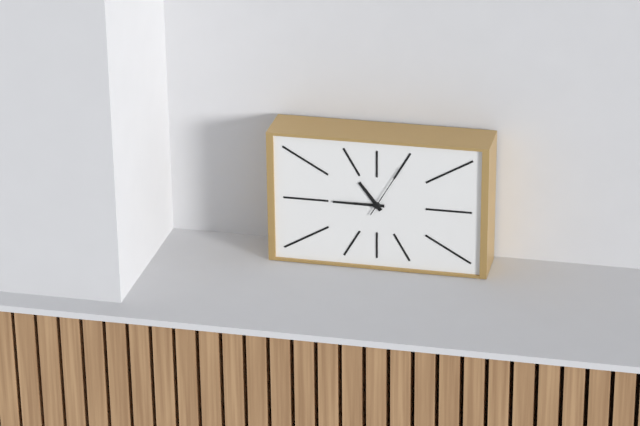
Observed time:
10:45:05
